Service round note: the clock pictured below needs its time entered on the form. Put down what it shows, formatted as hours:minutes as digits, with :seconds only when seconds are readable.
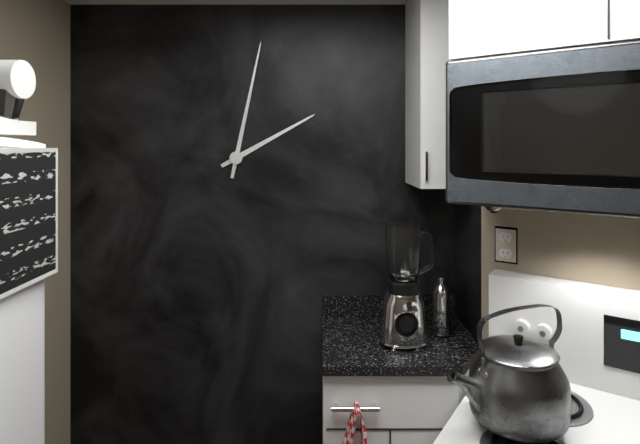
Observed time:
2:02
